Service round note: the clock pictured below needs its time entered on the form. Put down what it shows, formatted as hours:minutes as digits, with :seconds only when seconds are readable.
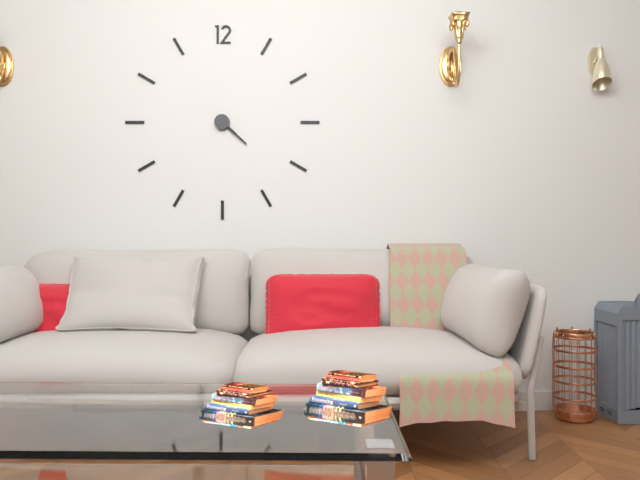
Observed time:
4:22
